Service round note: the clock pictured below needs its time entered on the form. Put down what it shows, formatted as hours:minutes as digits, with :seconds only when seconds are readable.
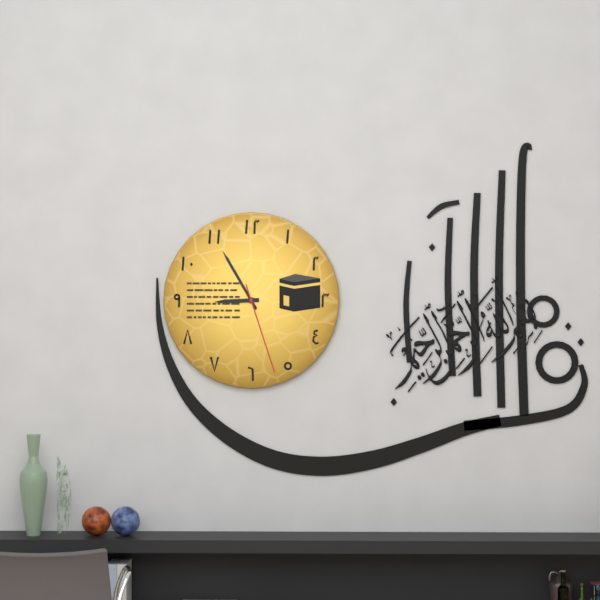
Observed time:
8:55:27
